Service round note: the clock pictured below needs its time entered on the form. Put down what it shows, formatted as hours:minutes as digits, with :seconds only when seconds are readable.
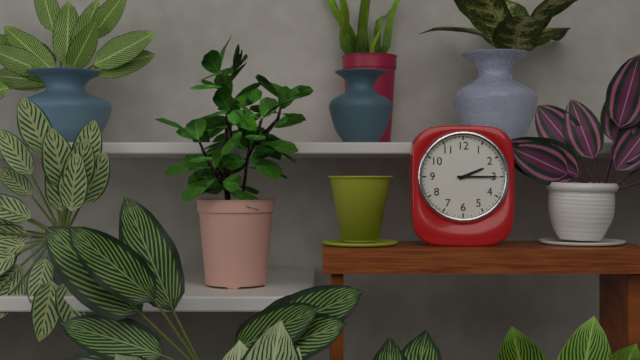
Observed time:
2:15
